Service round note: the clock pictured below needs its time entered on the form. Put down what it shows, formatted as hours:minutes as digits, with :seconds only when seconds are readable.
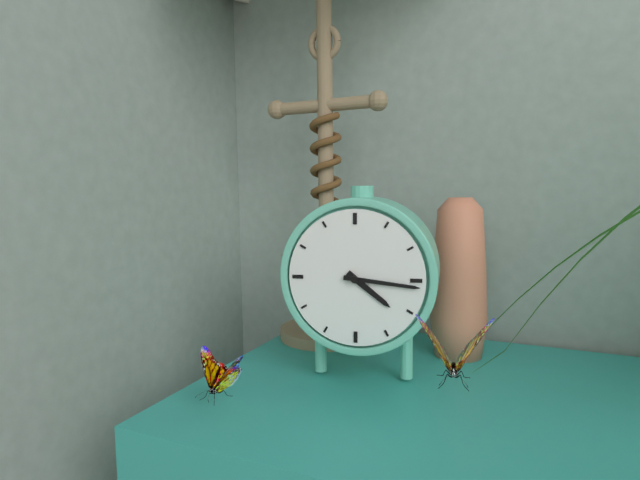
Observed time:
4:16
